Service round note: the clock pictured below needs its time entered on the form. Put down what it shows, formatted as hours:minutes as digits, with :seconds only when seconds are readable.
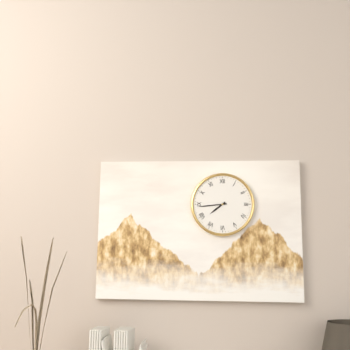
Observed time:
7:44
